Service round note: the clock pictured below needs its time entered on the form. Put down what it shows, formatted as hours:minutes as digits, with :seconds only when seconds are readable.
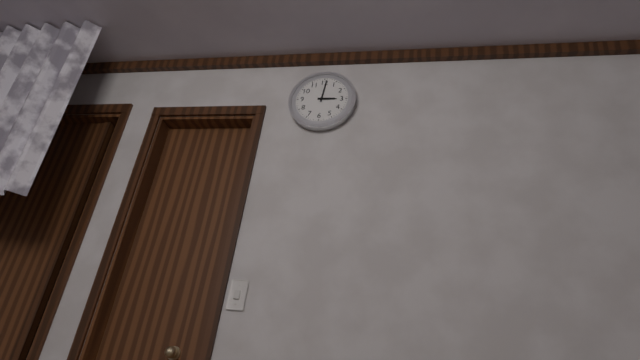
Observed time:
3:01
